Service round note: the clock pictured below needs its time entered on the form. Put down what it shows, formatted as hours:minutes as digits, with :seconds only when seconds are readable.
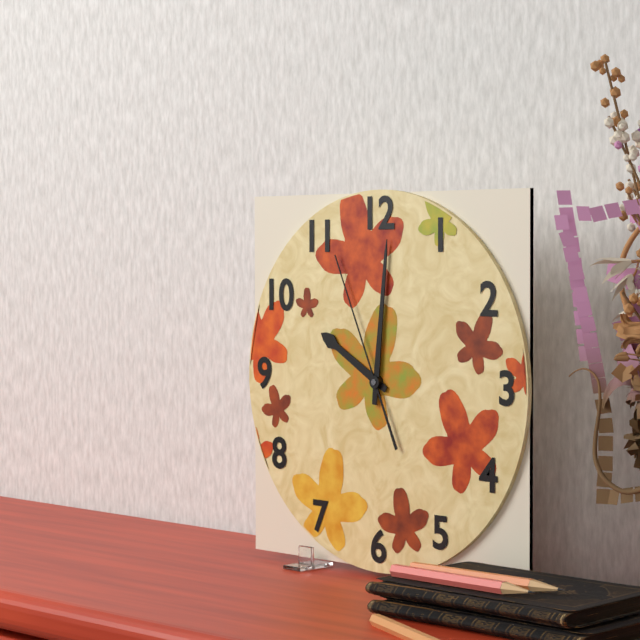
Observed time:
10:01:56
